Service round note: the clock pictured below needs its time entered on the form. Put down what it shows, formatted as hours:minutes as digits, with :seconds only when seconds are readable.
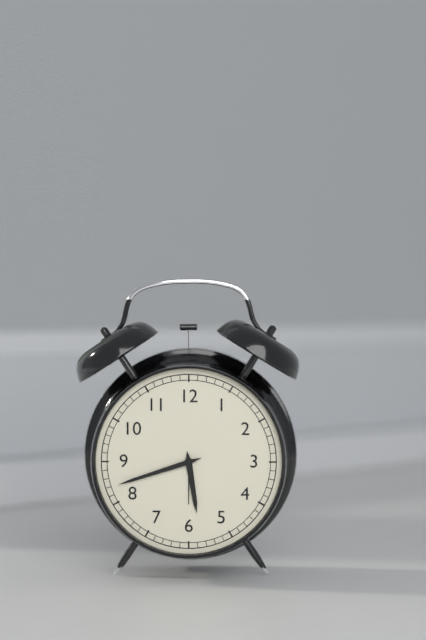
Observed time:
5:42
